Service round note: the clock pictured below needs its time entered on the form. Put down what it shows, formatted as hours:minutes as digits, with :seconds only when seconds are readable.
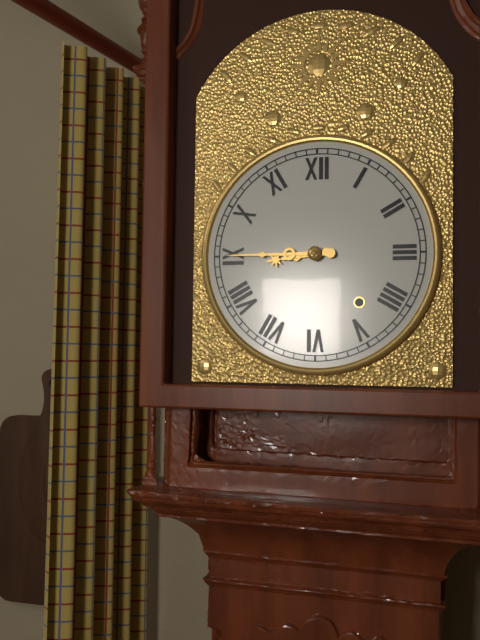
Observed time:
8:45
